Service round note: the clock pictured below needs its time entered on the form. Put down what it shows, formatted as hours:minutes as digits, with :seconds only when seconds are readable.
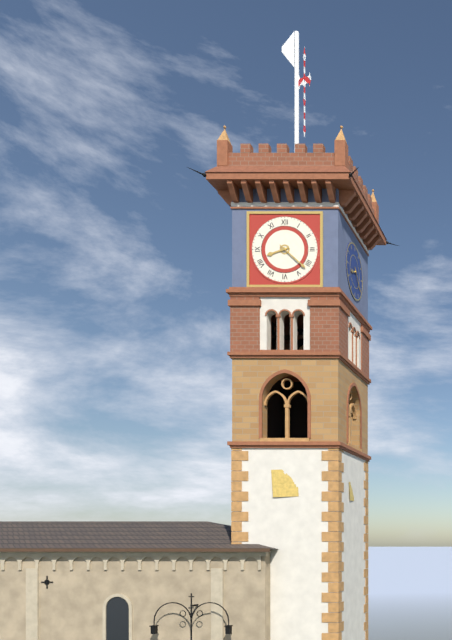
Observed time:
8:22
